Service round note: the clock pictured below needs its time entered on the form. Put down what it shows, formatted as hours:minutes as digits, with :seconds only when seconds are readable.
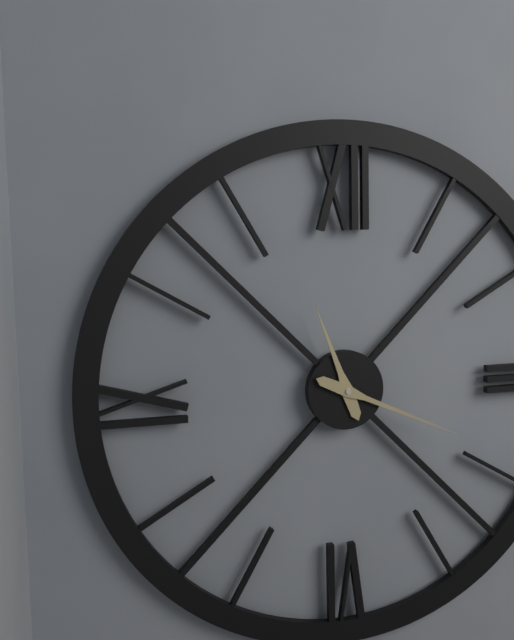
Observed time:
11:19
